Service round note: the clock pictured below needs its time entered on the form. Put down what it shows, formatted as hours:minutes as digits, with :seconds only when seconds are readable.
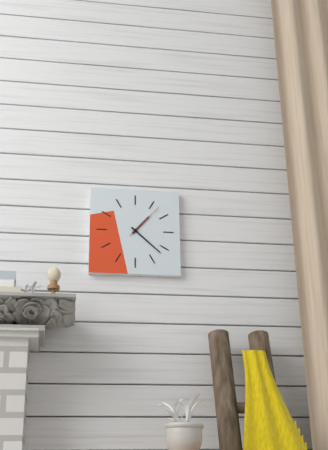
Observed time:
1:22
